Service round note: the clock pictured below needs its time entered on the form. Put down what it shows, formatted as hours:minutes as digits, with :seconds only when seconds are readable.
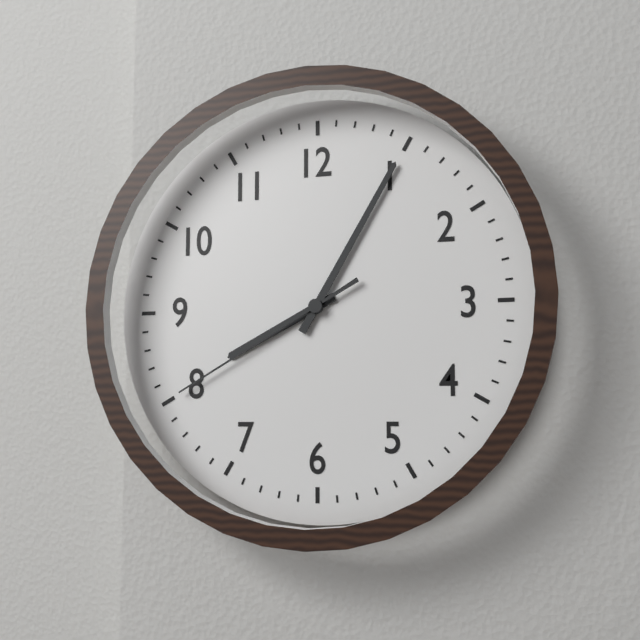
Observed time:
8:05:40
